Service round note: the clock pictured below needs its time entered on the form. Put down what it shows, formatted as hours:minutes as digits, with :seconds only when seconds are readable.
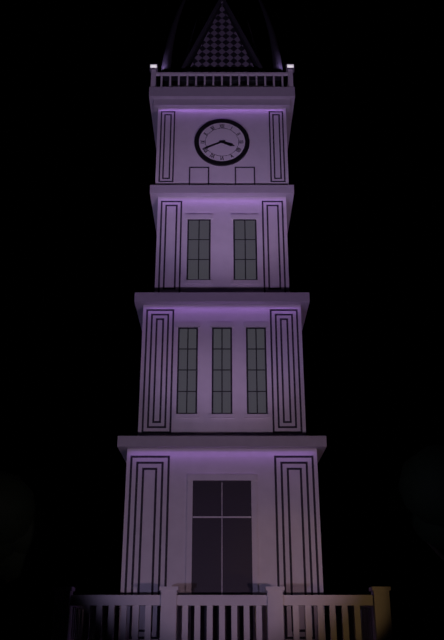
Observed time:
3:41
